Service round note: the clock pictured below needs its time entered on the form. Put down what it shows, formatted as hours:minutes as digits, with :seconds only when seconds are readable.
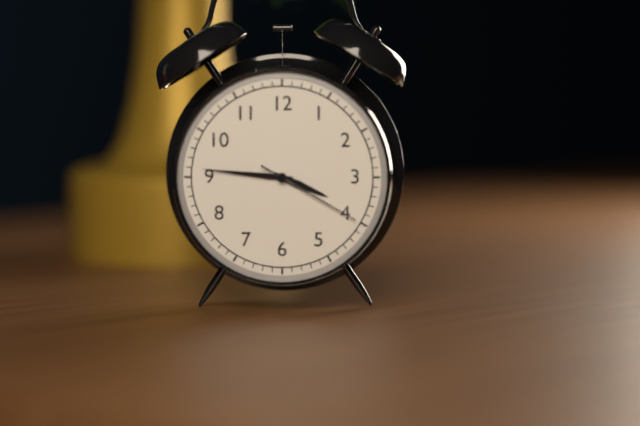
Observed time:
3:46:20
